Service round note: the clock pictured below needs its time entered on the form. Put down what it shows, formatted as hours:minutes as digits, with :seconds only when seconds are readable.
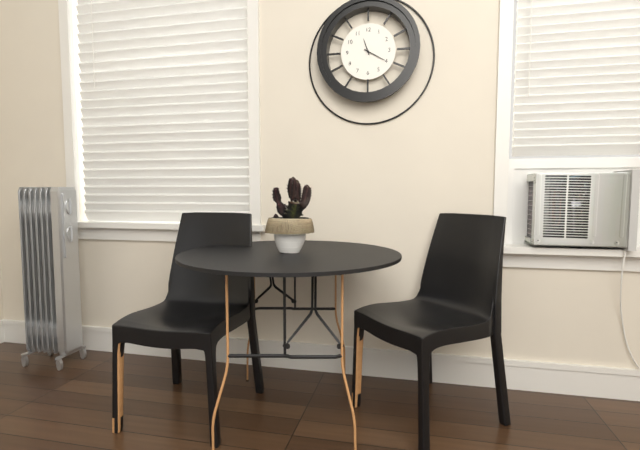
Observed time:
11:20
